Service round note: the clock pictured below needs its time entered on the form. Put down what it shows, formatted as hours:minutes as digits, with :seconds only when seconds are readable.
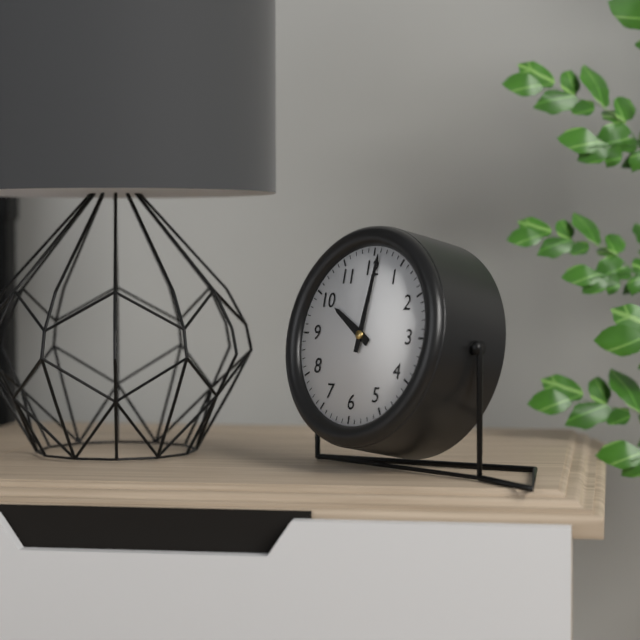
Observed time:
10:01
